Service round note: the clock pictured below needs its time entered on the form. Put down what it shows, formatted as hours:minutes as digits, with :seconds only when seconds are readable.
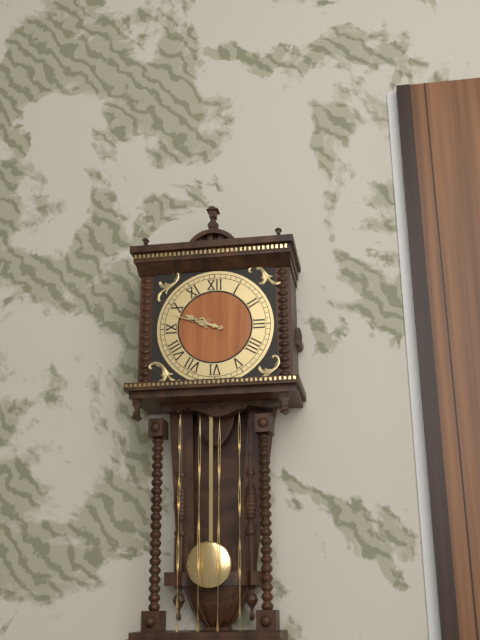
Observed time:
9:48
